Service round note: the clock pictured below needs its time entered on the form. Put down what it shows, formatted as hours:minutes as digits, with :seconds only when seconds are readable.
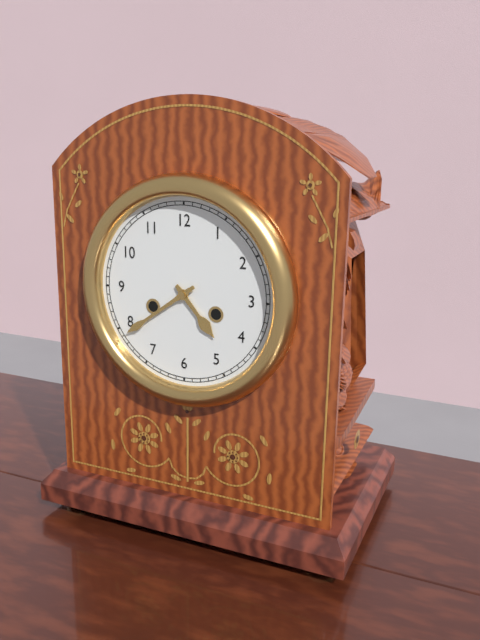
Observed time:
4:39
